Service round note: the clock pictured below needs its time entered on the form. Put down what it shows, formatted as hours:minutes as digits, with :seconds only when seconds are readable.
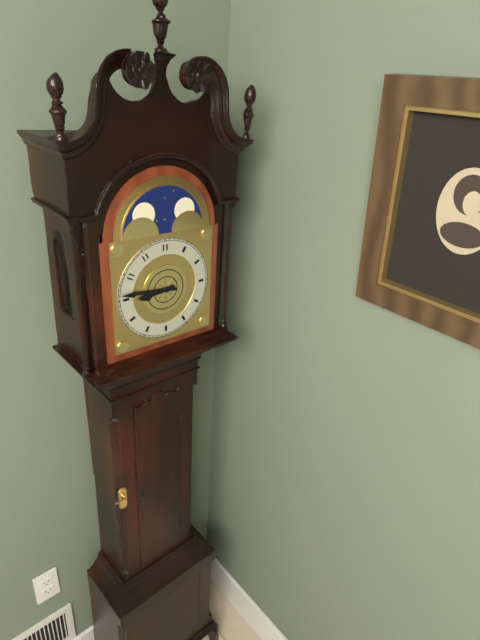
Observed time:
8:46
